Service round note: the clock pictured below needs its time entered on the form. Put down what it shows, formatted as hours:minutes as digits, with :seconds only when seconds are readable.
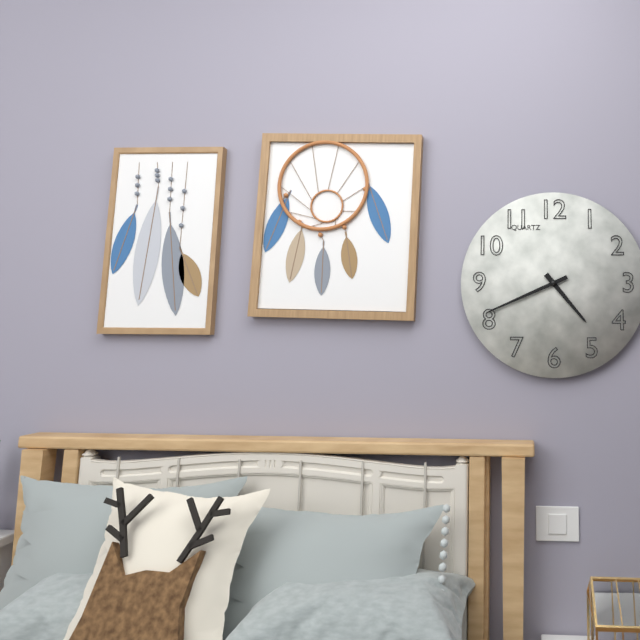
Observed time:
4:41
